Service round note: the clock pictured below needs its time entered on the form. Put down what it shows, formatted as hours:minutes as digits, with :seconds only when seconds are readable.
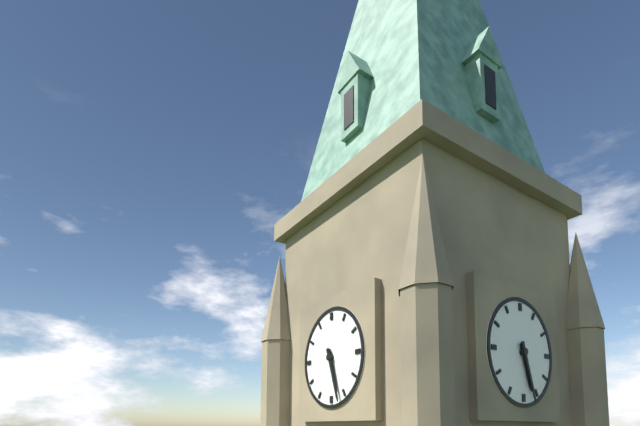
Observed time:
5:27
